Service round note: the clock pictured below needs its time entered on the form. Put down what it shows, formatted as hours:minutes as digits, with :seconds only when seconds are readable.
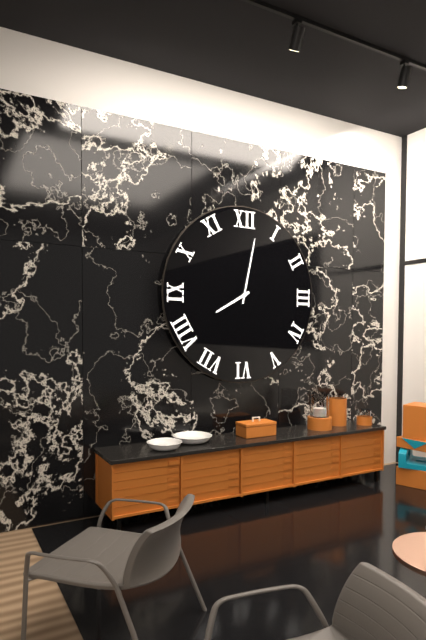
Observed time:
8:02
